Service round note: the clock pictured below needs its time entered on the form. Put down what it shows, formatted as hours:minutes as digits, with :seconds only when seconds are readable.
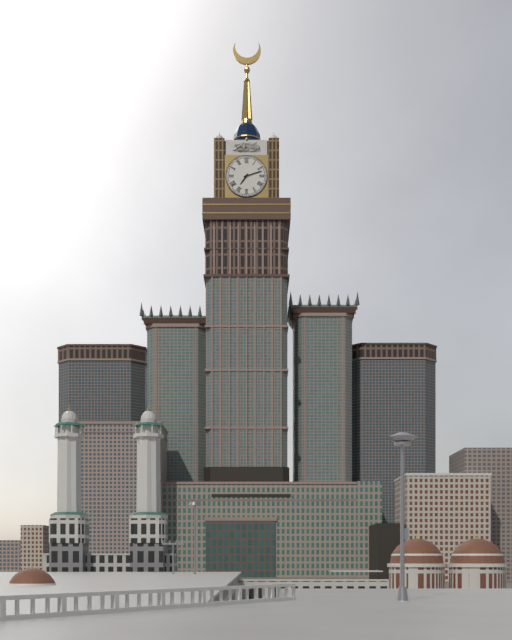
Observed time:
7:12
